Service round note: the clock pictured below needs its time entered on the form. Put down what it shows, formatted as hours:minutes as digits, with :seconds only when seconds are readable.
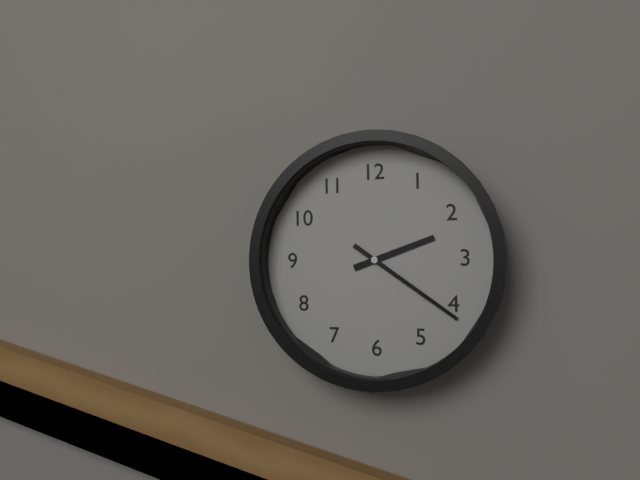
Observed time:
2:21
